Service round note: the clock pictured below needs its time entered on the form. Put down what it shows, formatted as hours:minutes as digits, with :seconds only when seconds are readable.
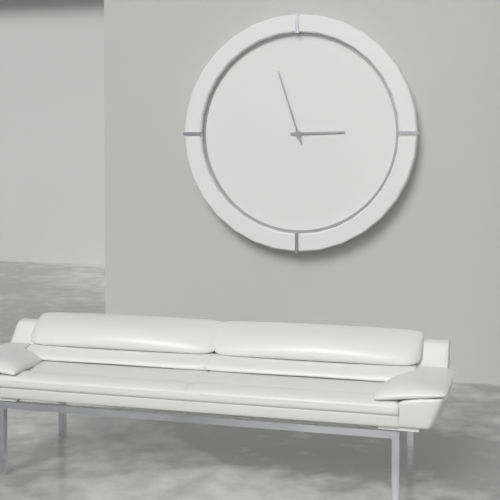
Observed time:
2:57
